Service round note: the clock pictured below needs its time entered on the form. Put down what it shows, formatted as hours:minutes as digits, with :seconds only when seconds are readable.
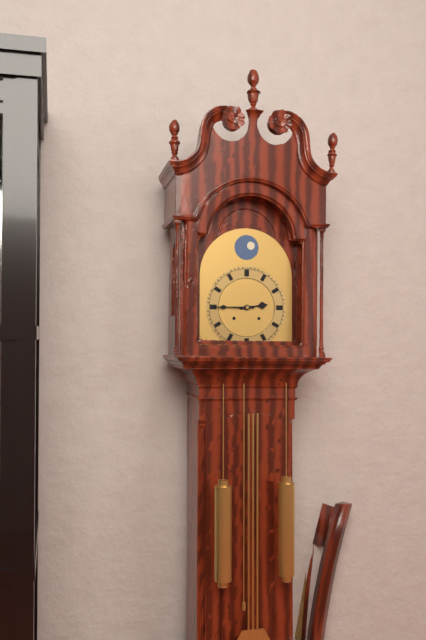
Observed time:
2:45
